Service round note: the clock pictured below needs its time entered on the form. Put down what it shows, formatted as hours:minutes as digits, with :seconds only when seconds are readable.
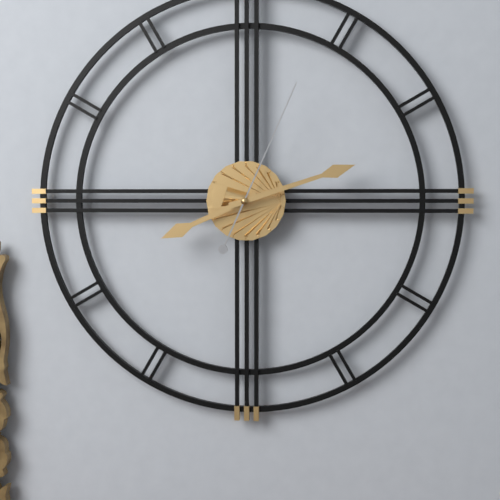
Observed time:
8:12:04
